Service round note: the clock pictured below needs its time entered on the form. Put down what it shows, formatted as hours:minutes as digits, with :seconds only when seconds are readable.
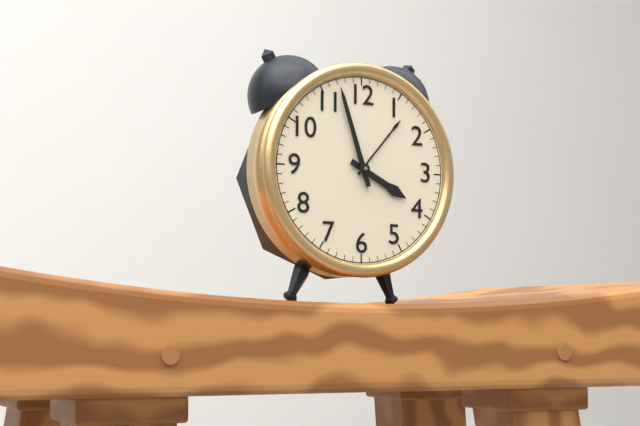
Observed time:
3:57
